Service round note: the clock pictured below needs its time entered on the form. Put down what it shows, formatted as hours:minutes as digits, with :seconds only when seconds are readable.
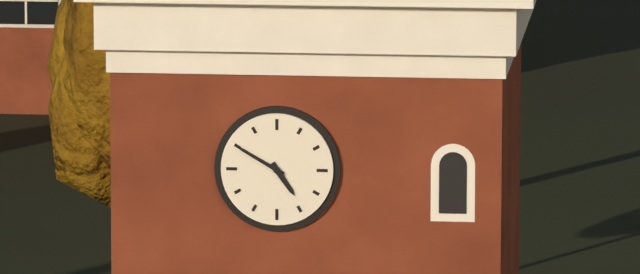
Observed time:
4:50
